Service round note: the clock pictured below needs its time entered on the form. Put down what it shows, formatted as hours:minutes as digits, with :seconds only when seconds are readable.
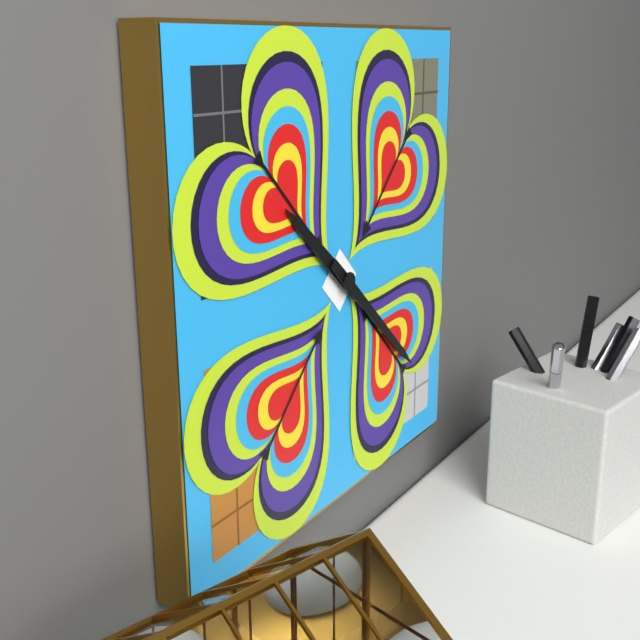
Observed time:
10:22
